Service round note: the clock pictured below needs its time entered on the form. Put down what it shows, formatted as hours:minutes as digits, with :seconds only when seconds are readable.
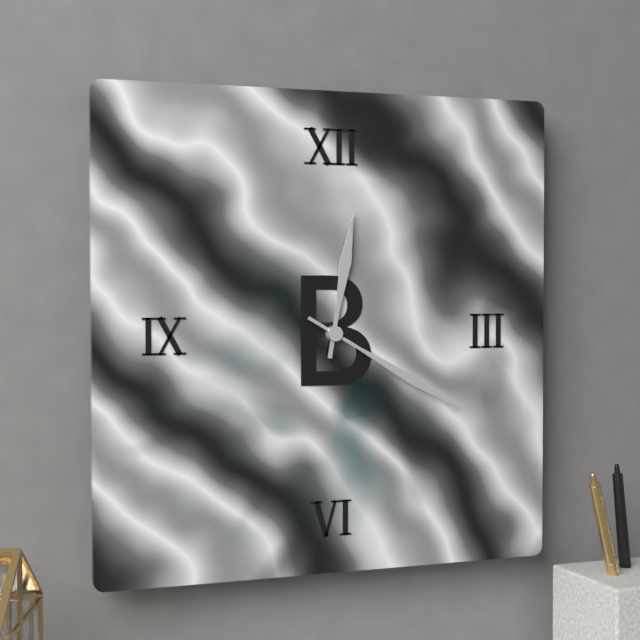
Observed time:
12:20
